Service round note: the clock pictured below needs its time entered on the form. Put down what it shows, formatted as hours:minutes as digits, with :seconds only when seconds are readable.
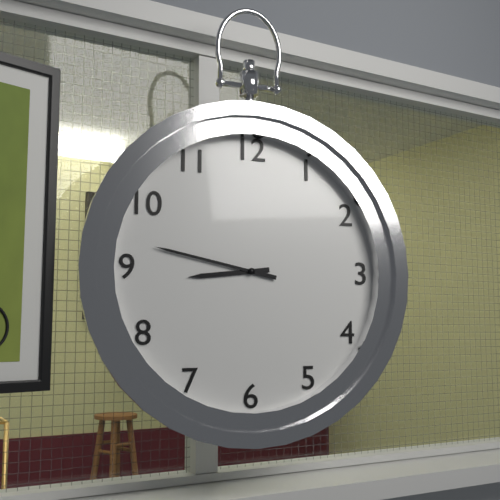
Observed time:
8:47
